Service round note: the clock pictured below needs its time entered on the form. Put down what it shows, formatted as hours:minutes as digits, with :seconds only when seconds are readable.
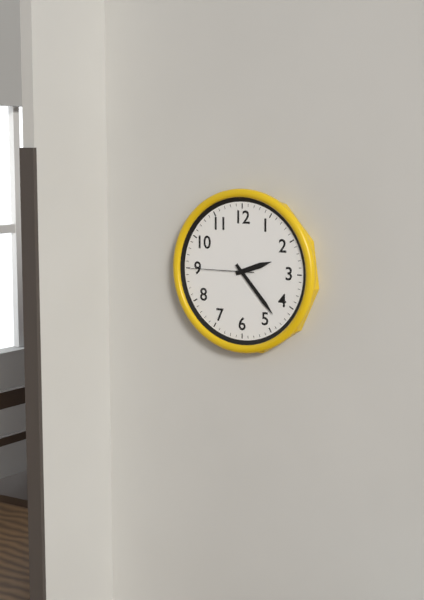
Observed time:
2:23:45
